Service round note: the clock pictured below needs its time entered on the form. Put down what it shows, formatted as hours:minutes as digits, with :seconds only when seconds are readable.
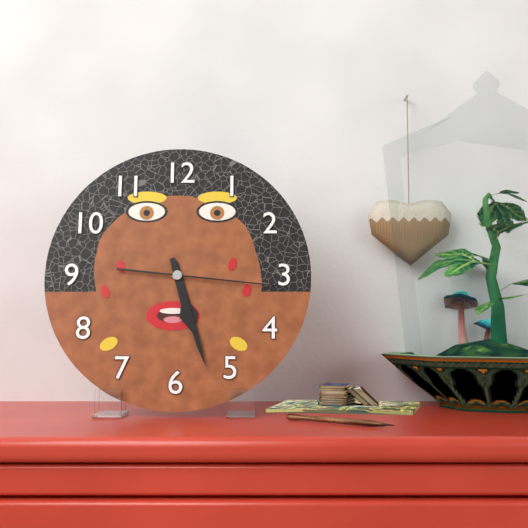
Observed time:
5:27:16
